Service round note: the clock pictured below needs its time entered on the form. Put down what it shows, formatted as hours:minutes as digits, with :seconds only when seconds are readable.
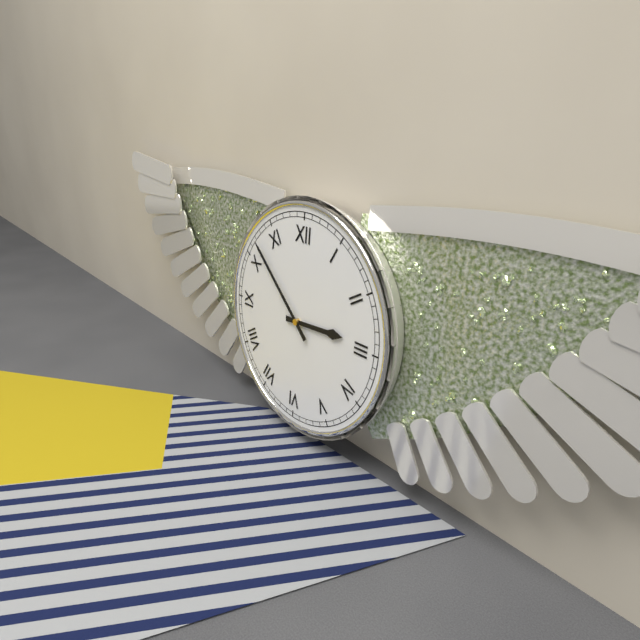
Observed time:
2:52
